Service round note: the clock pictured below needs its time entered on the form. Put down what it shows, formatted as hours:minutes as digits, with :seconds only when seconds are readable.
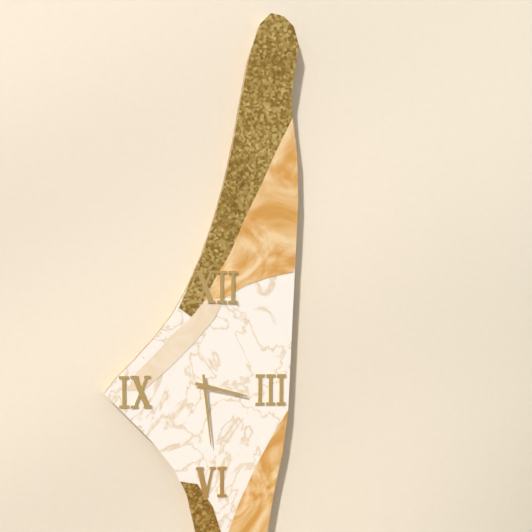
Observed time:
3:29
